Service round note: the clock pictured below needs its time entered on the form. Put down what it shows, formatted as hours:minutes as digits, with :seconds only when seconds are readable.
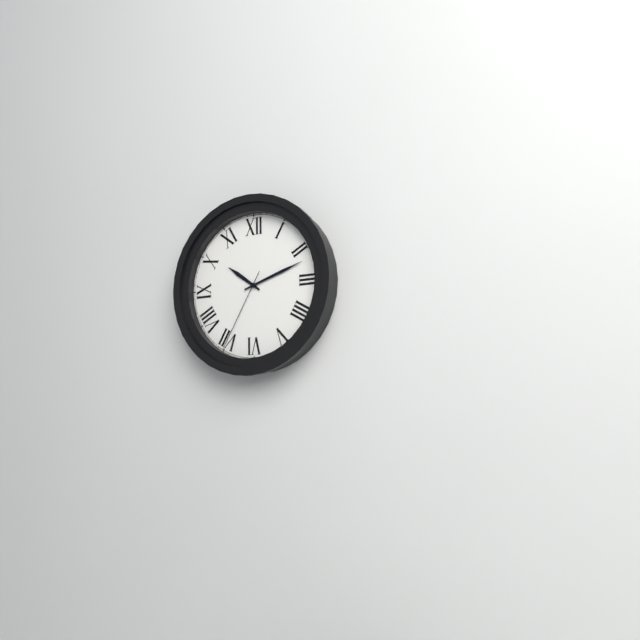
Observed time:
10:12:35
